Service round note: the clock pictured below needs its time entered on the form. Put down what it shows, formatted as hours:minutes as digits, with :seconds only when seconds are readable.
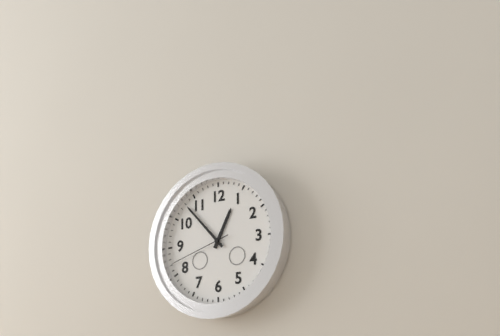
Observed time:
12:53:42
